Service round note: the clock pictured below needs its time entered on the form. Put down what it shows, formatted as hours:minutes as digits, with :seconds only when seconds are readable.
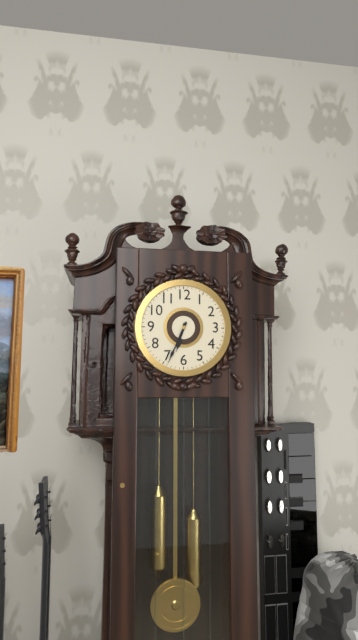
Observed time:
6:34
